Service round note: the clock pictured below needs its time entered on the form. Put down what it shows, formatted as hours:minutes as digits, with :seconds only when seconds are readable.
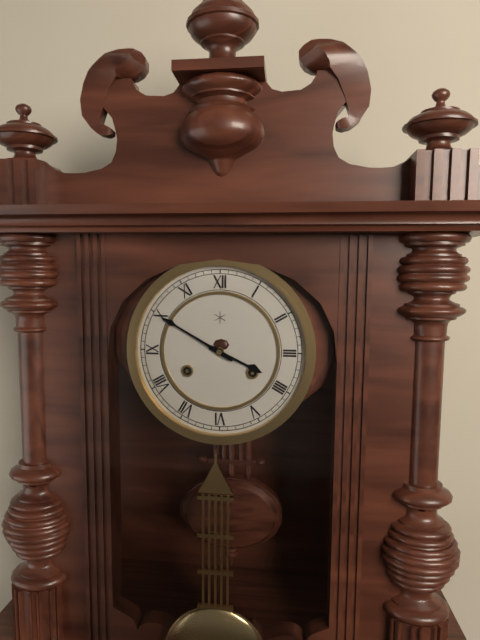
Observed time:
3:50
